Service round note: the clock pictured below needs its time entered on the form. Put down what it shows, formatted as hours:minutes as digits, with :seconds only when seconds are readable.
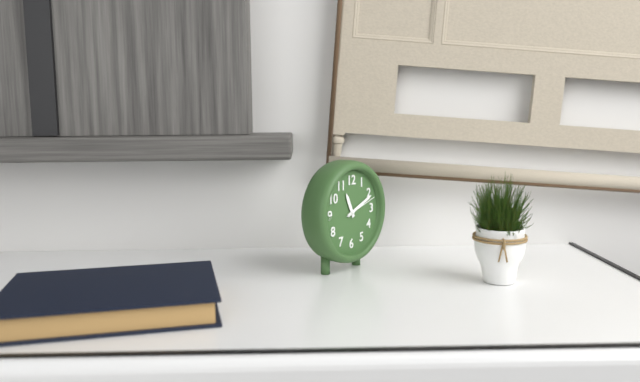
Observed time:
11:11
